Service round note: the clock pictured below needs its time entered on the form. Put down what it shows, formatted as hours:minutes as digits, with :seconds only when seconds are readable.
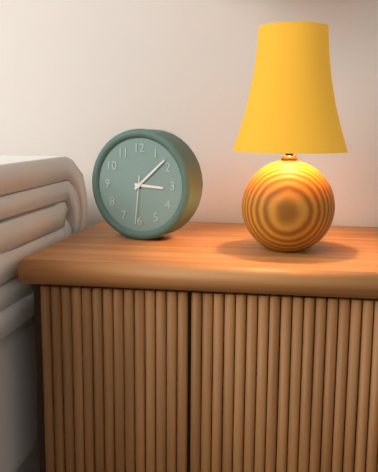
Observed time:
3:08
